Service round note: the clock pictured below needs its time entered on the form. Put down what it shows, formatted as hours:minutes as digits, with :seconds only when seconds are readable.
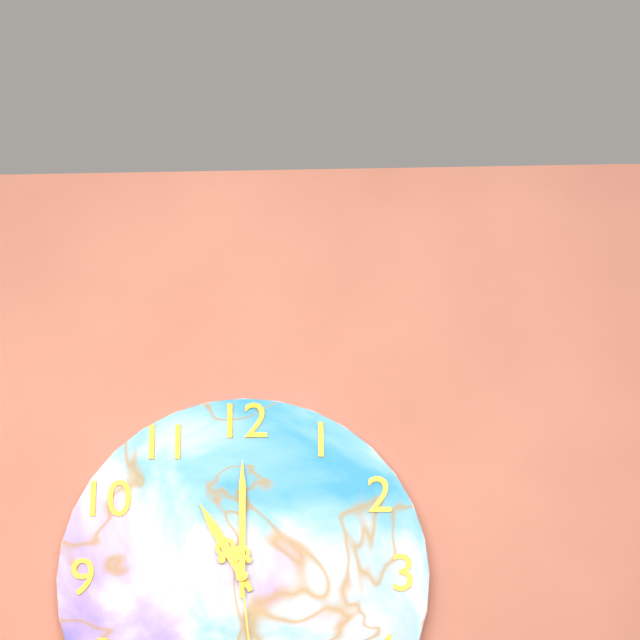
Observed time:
11:00
